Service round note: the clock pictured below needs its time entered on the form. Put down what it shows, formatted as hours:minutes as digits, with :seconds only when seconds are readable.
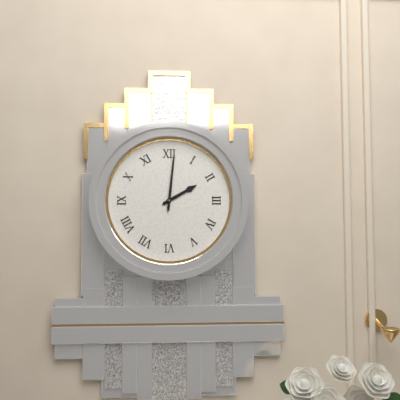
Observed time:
2:01
